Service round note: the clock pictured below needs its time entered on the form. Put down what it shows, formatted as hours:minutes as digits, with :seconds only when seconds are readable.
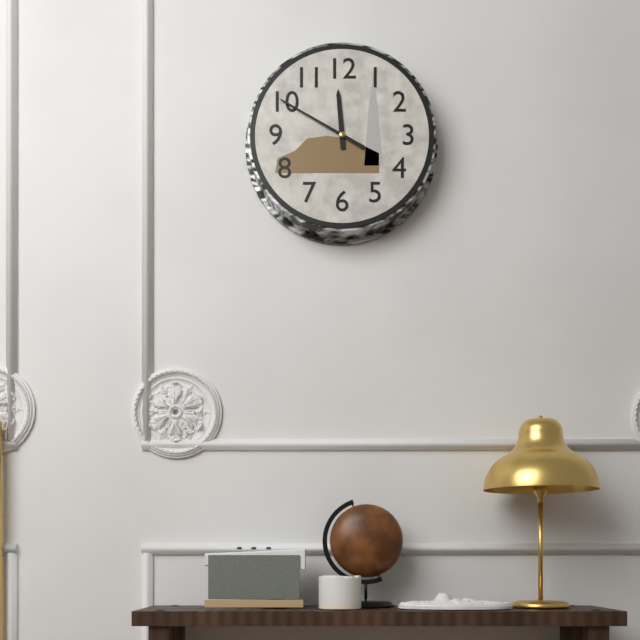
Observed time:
11:50
